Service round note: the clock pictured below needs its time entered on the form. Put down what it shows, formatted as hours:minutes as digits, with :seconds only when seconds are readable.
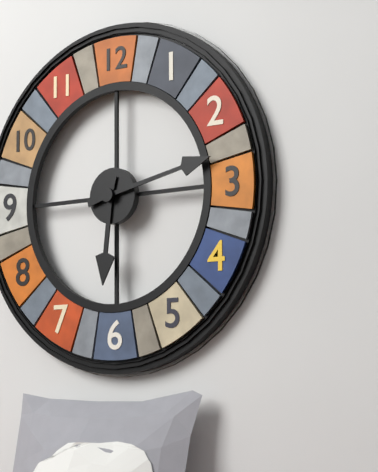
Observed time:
6:13
